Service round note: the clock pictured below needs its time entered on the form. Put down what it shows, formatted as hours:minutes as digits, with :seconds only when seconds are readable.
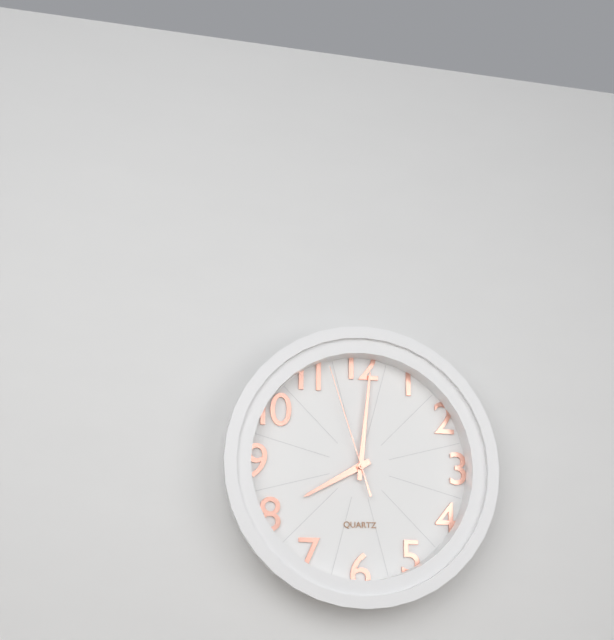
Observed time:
8:01:57
